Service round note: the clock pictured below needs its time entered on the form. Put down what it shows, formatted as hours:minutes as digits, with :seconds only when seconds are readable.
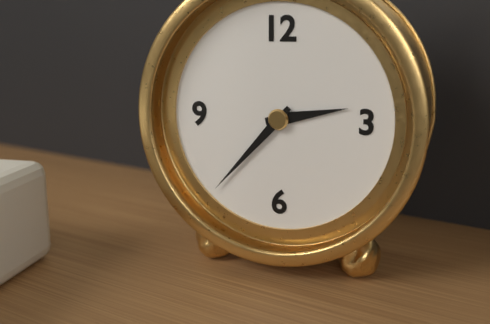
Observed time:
2:37
